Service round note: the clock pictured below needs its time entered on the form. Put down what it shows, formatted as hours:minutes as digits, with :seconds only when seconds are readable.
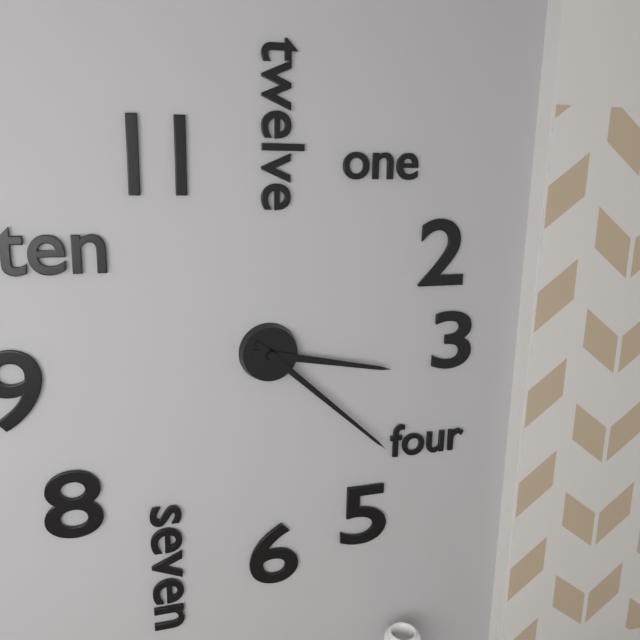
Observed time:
3:22
